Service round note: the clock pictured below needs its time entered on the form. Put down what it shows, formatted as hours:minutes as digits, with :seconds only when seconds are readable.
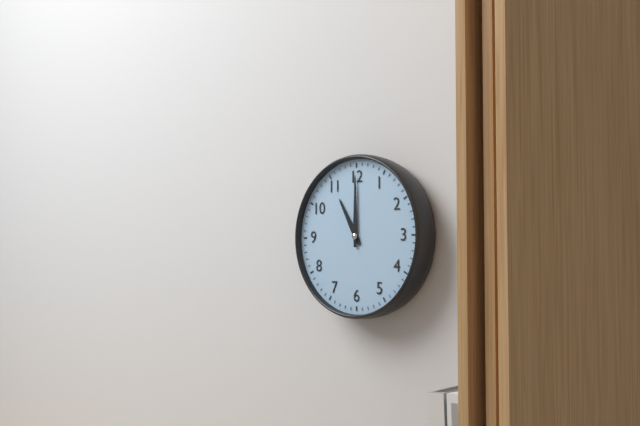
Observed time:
11:00
